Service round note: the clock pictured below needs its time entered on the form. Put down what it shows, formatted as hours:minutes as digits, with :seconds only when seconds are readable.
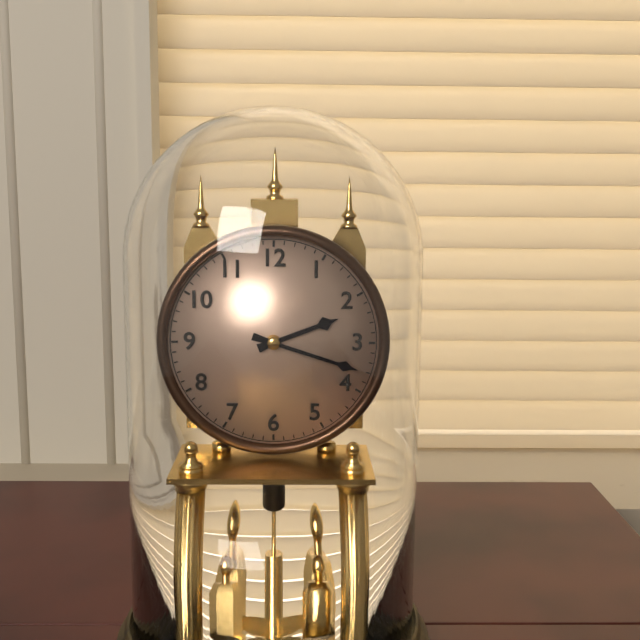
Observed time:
2:18
